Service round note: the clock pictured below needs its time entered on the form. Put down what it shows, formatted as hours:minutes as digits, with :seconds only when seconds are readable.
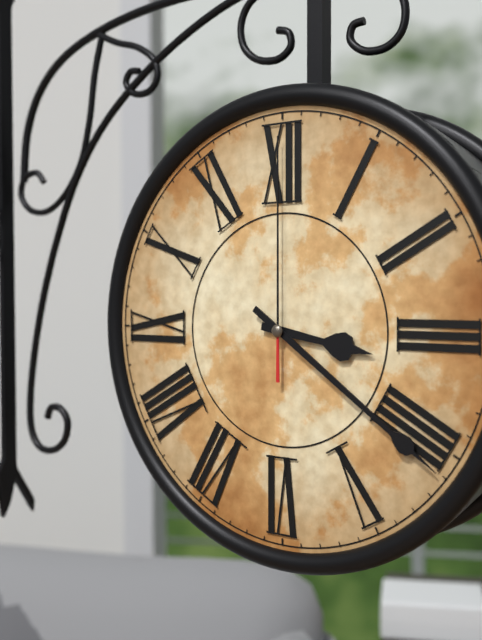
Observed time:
3:21:00
